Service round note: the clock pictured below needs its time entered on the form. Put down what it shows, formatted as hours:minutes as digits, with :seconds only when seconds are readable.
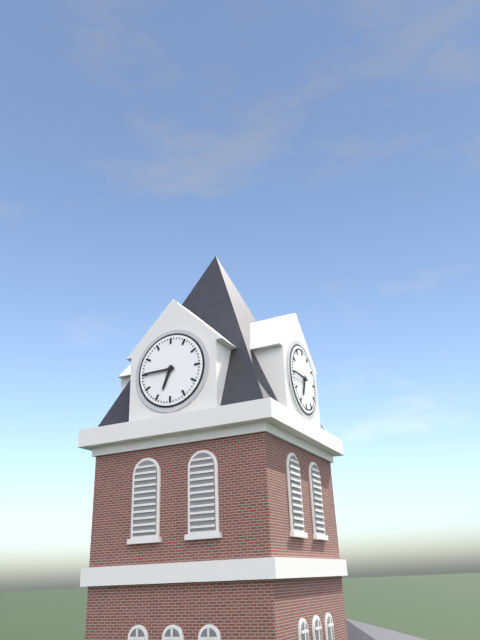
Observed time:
6:45
